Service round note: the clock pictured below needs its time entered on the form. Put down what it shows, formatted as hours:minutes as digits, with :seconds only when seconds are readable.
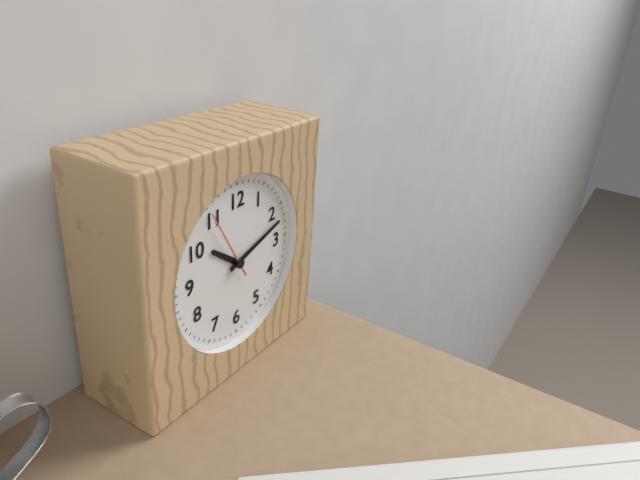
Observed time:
10:12:55
